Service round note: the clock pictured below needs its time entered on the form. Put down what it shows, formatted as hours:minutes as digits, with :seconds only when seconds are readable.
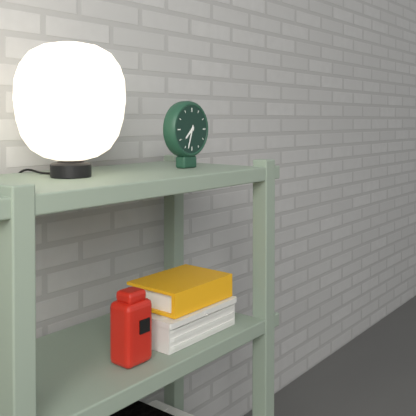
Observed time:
7:33
